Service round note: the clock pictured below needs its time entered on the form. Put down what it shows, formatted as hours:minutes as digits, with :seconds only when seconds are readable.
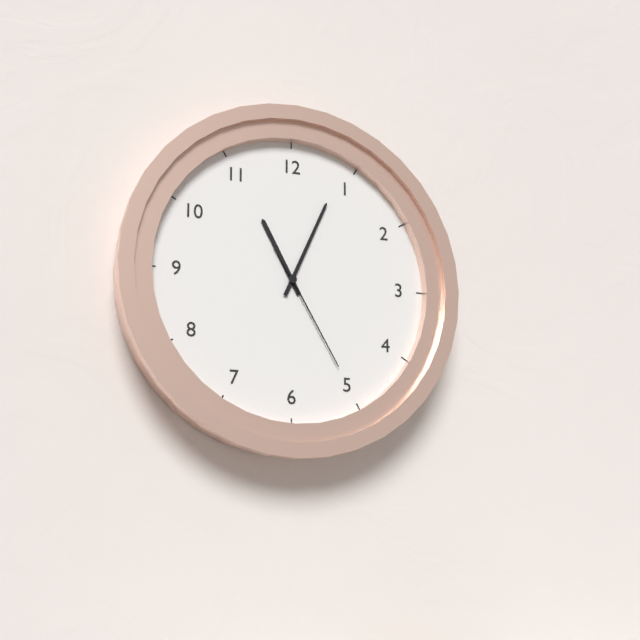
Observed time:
11:04:25
